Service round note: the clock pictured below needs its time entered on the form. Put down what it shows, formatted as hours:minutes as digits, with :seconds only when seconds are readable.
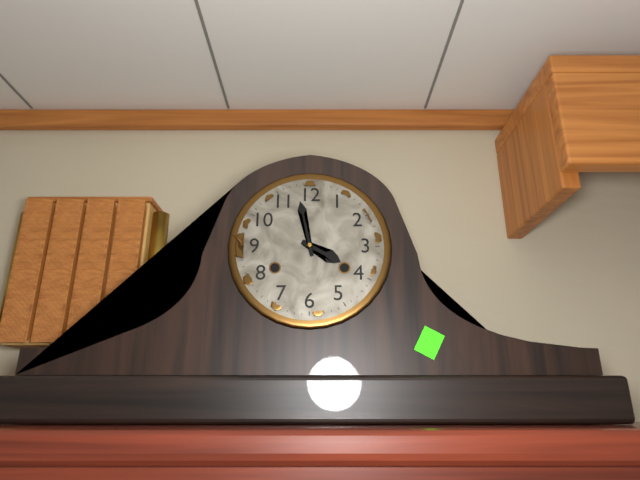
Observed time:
3:58
